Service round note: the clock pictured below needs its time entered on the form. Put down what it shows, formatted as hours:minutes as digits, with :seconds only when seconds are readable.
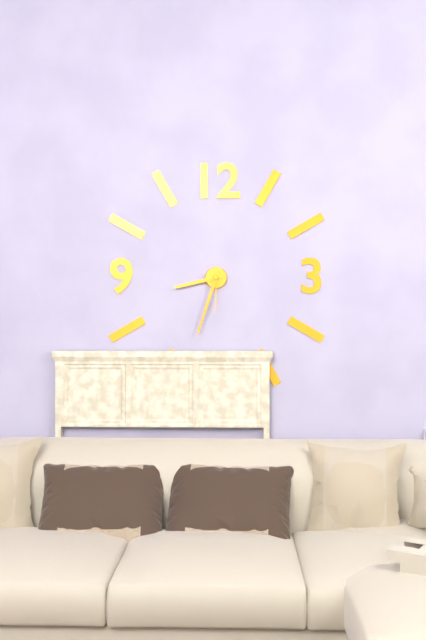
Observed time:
8:33
